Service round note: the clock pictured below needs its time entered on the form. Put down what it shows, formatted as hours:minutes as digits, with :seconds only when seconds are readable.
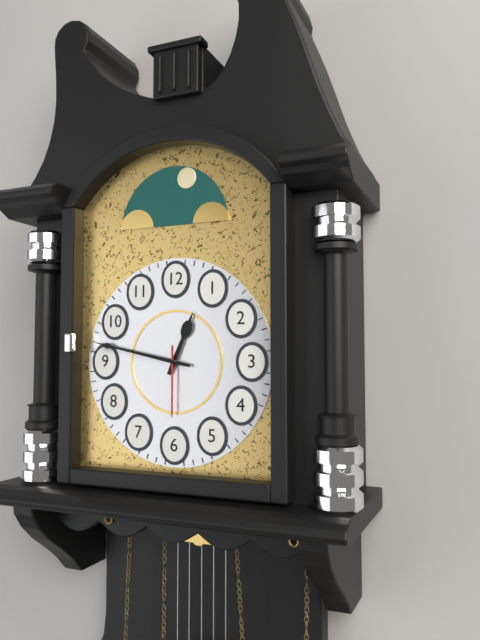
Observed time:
12:47:30
